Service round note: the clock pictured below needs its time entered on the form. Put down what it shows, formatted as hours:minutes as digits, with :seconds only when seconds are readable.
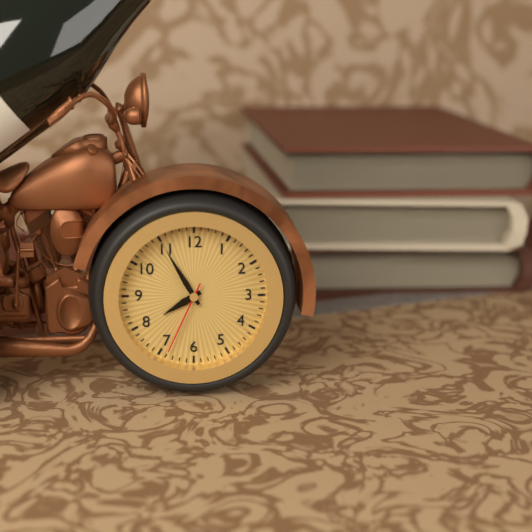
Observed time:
7:55:34
